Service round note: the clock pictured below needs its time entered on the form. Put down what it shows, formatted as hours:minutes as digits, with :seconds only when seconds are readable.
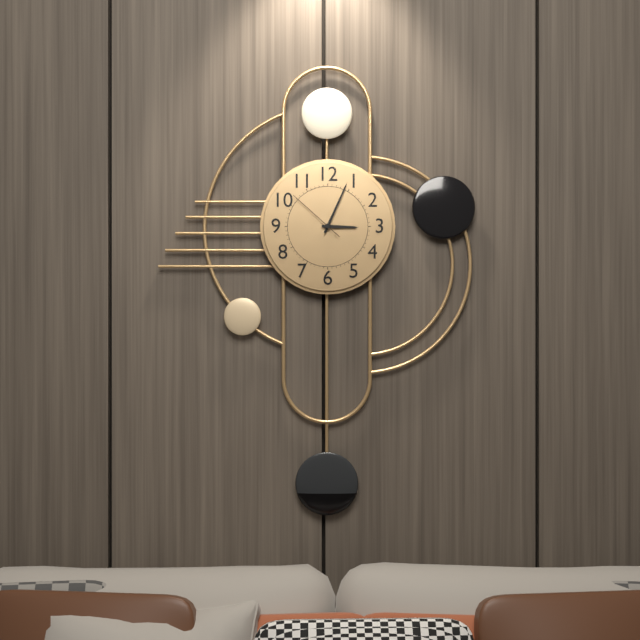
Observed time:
3:04:52
